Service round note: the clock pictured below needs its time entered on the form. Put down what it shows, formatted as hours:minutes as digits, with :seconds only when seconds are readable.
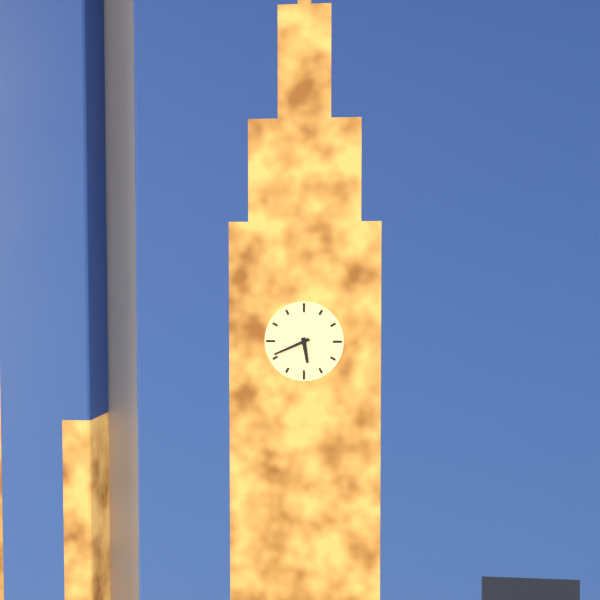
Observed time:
5:41
